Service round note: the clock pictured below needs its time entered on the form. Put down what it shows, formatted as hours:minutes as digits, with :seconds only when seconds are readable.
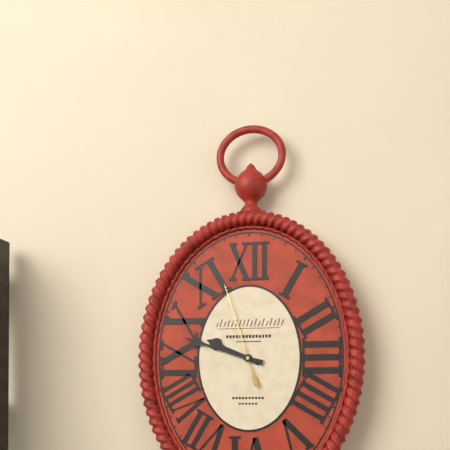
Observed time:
9:48:57
